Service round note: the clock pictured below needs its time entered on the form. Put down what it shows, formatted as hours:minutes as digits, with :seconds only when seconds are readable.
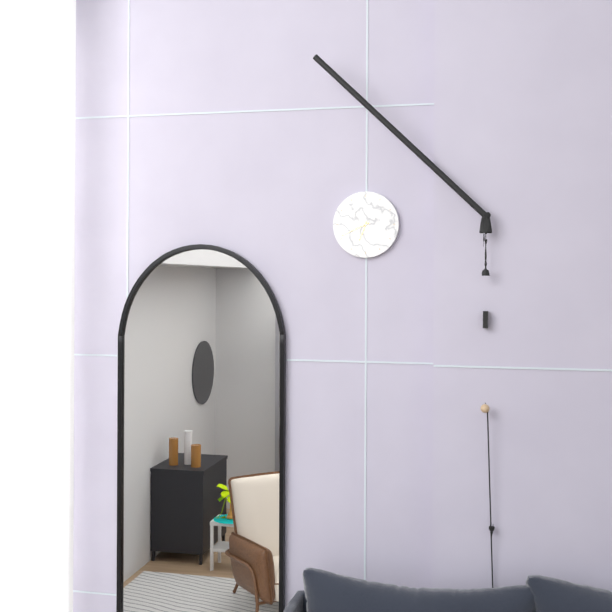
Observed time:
6:41
